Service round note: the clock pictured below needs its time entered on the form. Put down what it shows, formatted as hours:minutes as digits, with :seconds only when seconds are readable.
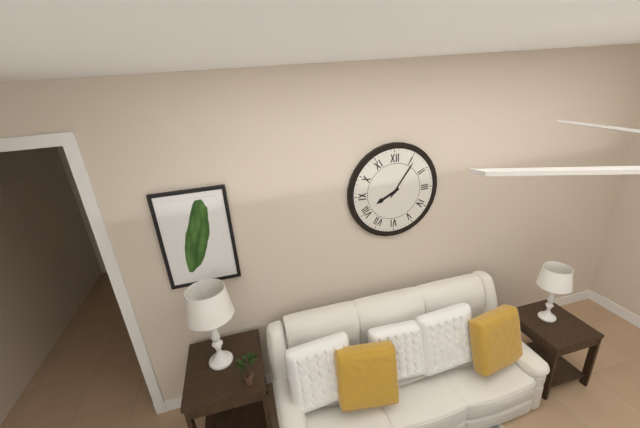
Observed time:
8:06
